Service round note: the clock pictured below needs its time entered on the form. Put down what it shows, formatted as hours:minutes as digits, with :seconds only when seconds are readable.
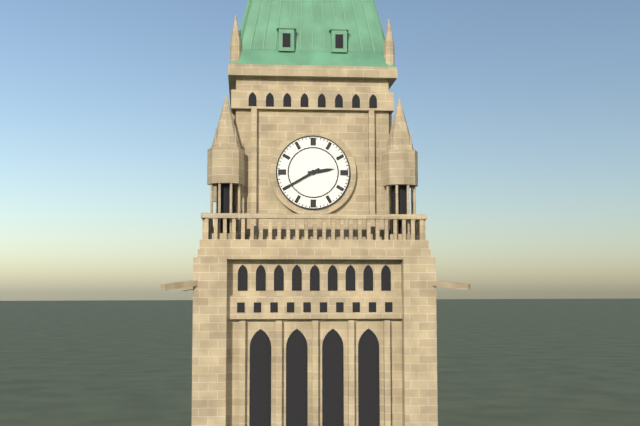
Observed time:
2:40
